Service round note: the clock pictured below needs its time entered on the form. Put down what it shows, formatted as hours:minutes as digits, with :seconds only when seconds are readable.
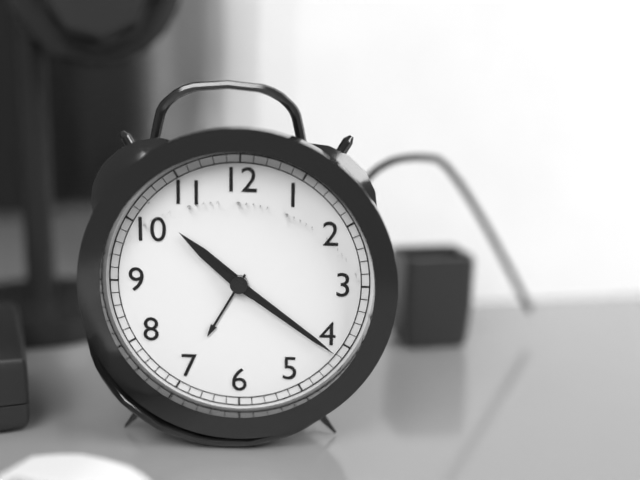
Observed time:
10:21
